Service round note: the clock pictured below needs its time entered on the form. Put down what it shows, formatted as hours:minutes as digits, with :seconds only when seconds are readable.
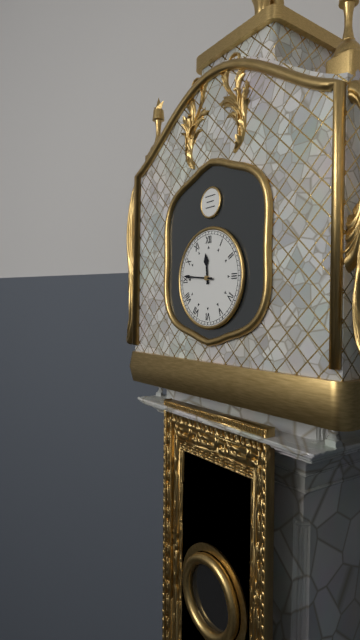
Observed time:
11:46
